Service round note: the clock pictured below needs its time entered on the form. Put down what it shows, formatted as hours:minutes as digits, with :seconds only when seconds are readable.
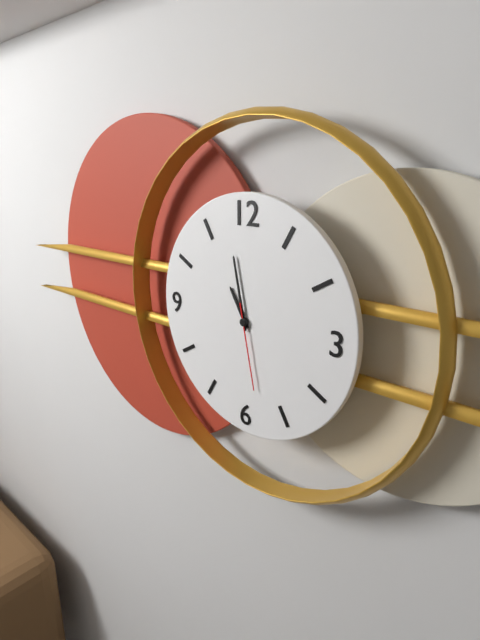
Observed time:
10:58:28
